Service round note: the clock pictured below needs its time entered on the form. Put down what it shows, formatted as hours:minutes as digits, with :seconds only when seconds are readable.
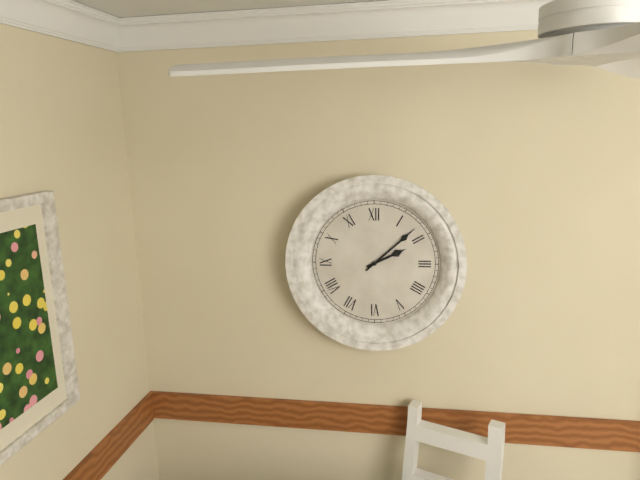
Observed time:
2:08
